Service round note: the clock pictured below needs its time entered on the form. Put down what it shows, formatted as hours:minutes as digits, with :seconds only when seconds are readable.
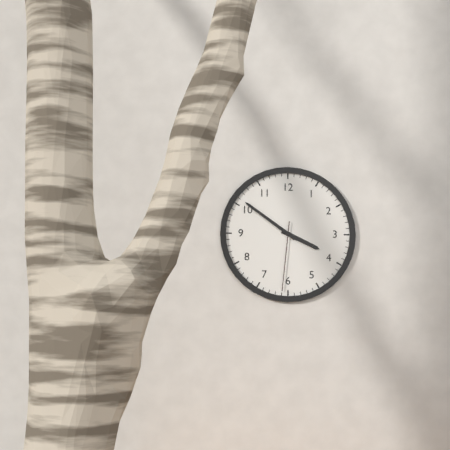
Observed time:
3:51:31
